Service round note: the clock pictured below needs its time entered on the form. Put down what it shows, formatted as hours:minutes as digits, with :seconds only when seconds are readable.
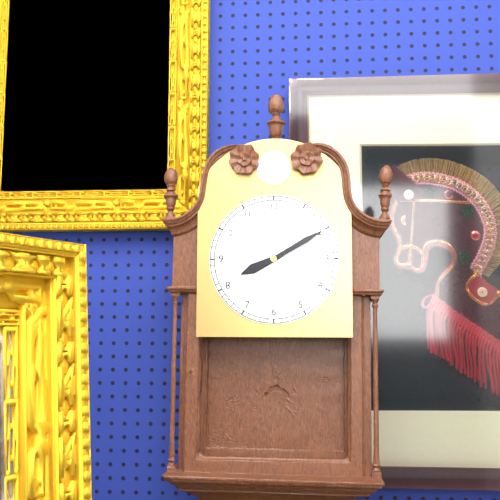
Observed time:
8:10
